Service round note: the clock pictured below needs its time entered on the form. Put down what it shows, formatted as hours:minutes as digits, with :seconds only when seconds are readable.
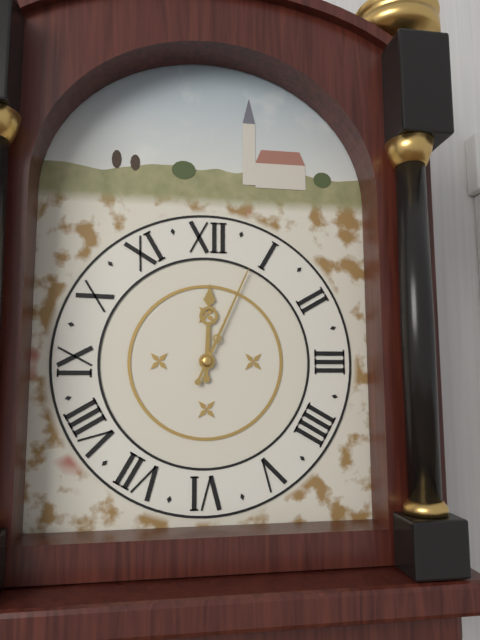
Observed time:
12:04
